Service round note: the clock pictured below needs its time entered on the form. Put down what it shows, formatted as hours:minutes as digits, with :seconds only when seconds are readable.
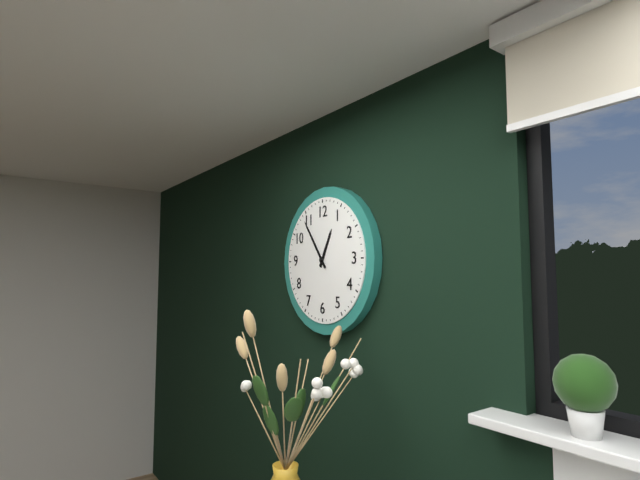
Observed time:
12:54
